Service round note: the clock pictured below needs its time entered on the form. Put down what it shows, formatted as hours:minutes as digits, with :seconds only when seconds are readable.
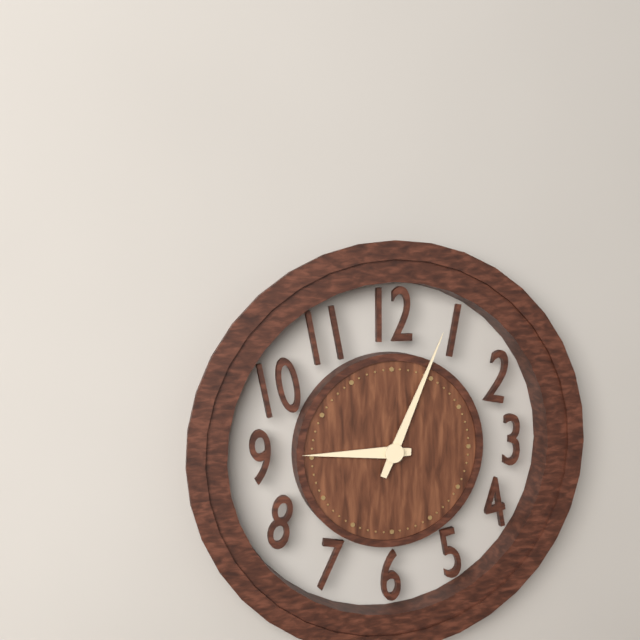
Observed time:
9:04
